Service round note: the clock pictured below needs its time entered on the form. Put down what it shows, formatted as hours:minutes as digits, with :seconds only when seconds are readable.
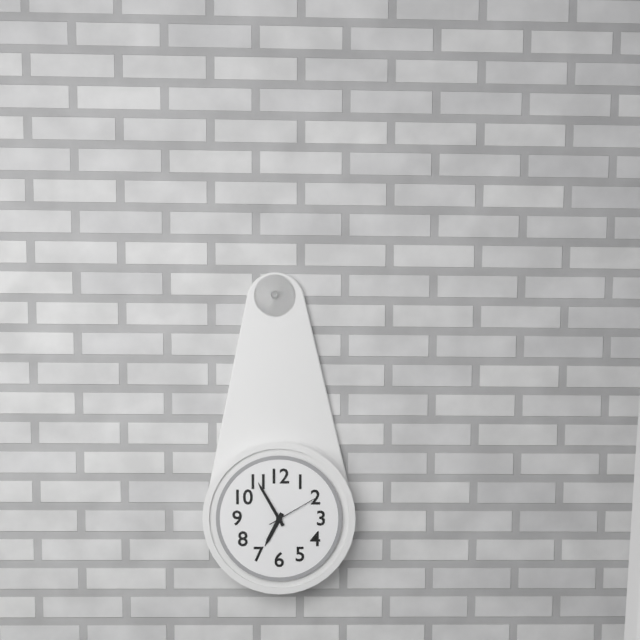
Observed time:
6:55:10
